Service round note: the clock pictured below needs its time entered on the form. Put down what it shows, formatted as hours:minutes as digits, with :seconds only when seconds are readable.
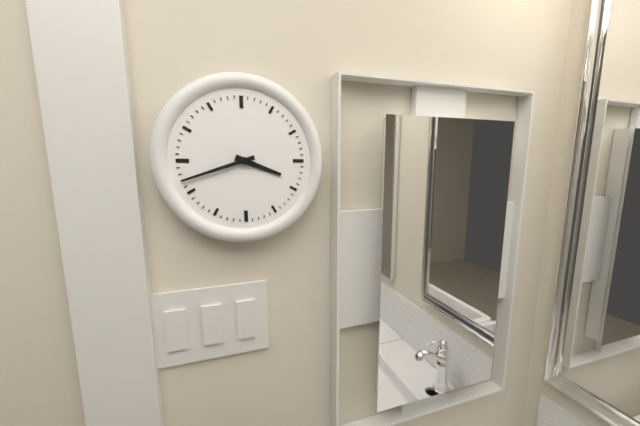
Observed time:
3:42
